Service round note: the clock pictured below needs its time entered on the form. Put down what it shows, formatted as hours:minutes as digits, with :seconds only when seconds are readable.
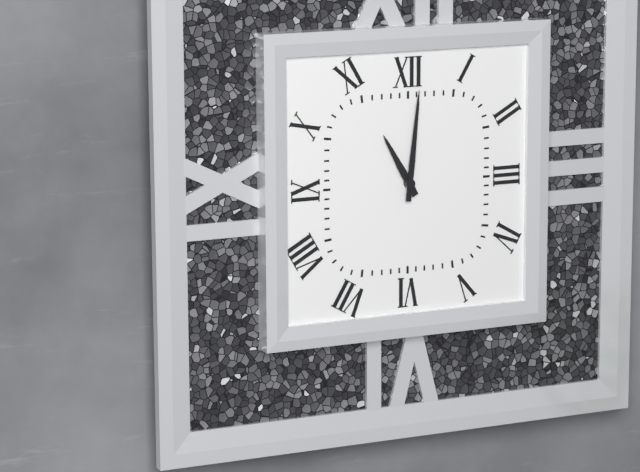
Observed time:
11:01
